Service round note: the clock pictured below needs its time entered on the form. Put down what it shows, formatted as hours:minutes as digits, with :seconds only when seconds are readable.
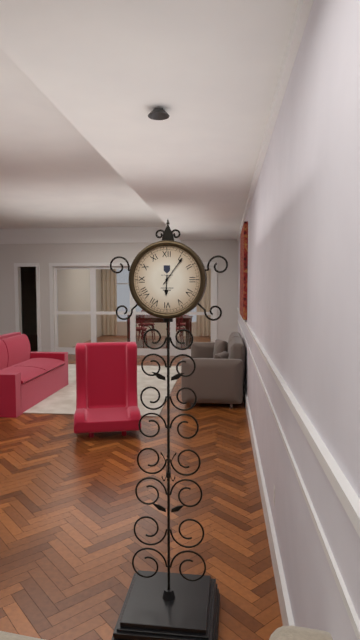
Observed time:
6:06
